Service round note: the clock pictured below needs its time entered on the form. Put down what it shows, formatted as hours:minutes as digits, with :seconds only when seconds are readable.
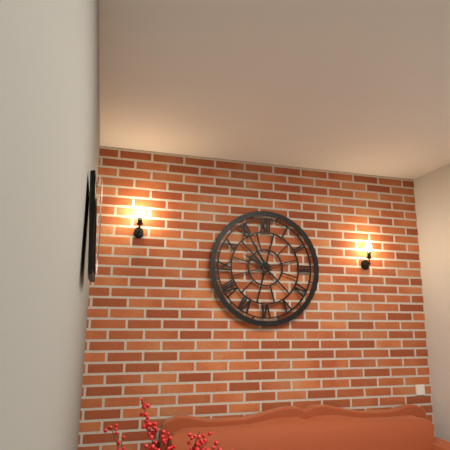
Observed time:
9:55
